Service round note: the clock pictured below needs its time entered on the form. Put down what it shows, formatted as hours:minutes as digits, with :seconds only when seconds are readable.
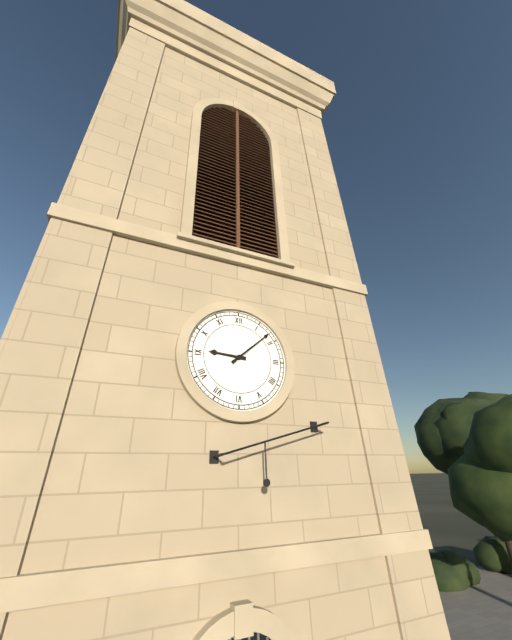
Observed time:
9:08
